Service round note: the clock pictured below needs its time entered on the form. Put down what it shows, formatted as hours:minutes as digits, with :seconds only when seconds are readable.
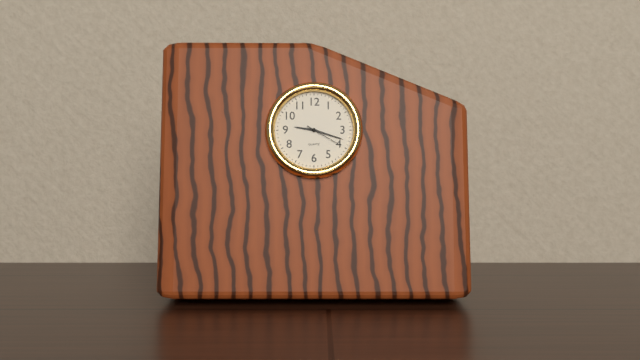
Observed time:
9:18
